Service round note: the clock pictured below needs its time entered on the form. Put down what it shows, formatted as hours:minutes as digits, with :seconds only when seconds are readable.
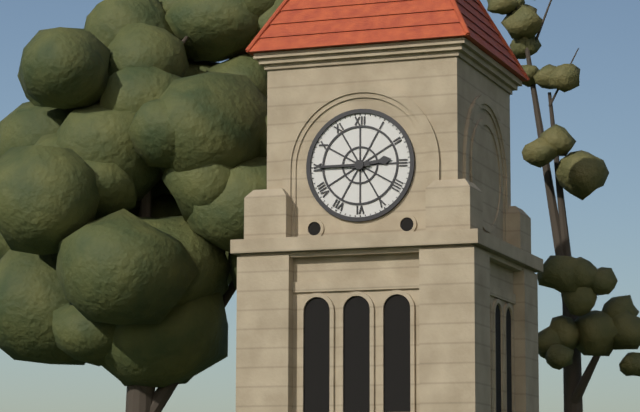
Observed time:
2:45
